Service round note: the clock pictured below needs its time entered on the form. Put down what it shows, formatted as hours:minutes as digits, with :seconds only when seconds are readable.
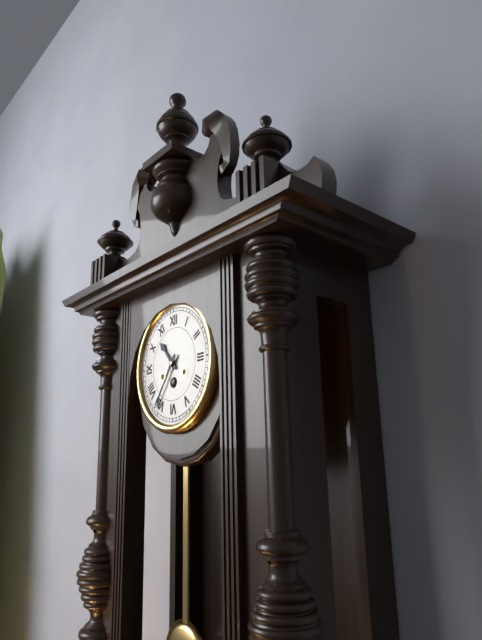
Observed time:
10:36
